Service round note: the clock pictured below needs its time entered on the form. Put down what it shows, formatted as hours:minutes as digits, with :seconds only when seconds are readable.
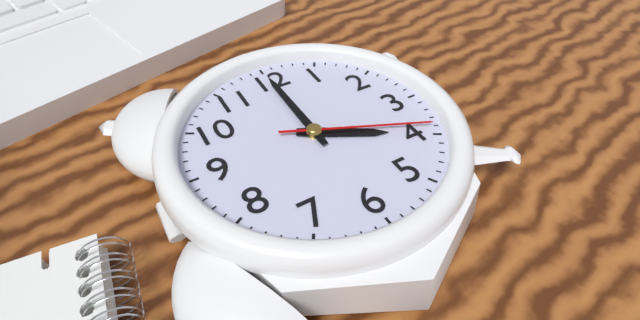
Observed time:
4:00:19
